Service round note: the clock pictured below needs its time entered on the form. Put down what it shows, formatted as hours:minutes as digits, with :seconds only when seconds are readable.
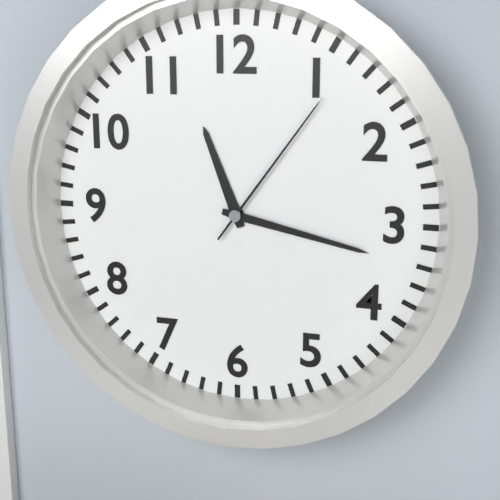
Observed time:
11:17:06
